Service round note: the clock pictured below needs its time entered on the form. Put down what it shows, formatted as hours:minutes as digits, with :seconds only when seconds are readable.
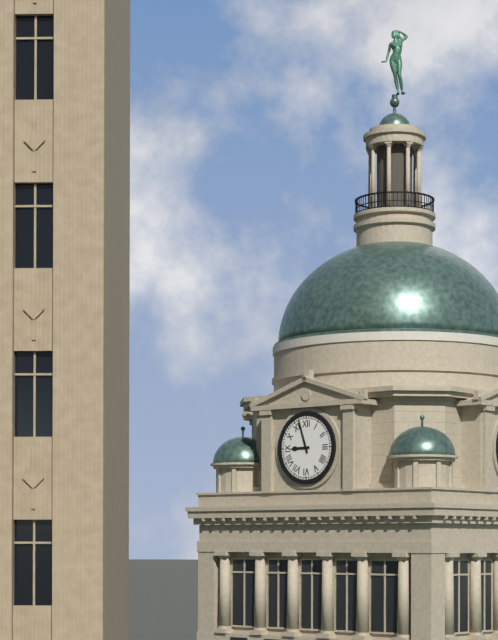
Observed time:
8:57
